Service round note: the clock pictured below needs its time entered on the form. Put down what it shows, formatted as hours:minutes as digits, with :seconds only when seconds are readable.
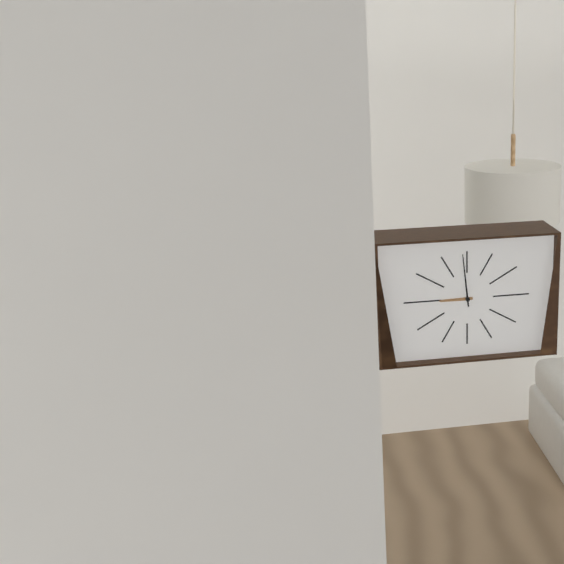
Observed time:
8:59
